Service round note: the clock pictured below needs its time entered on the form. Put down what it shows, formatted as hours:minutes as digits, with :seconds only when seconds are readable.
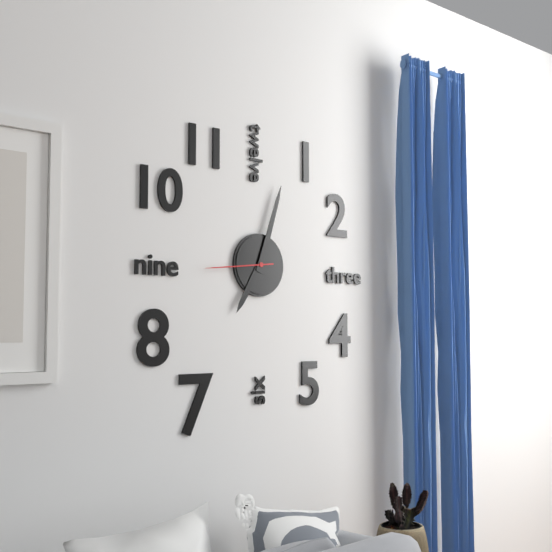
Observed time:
7:03:44
